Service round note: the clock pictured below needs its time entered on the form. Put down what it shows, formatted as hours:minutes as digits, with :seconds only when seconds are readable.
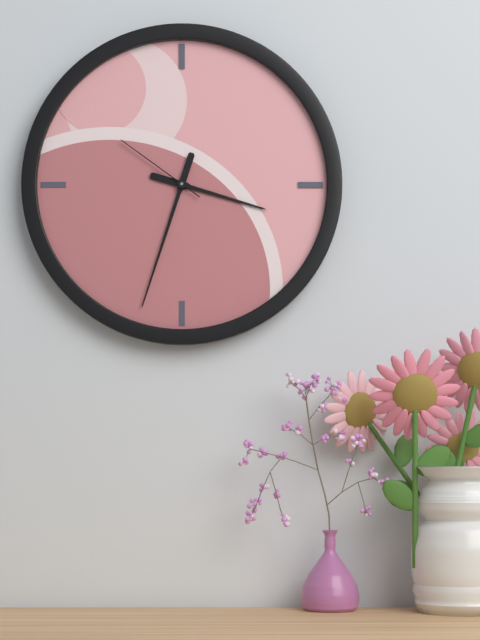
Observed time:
3:33:51
